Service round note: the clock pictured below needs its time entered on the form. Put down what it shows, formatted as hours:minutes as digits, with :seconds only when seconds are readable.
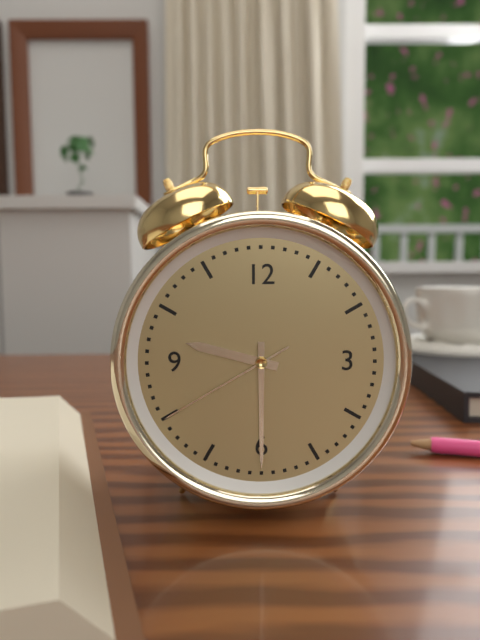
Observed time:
9:30:40
